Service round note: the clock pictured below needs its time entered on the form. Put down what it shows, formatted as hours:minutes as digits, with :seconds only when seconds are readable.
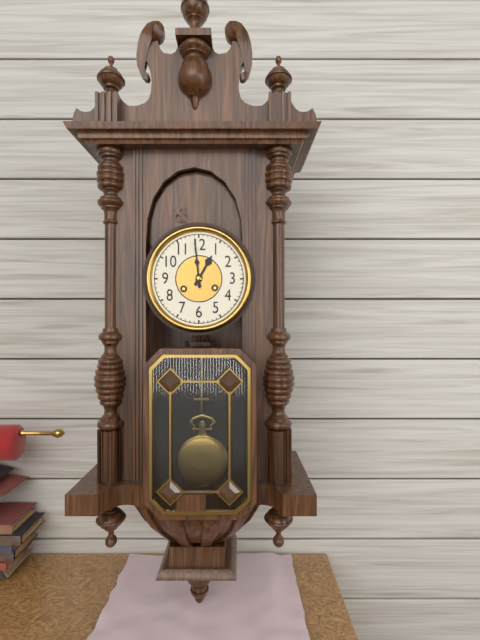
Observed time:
12:59
